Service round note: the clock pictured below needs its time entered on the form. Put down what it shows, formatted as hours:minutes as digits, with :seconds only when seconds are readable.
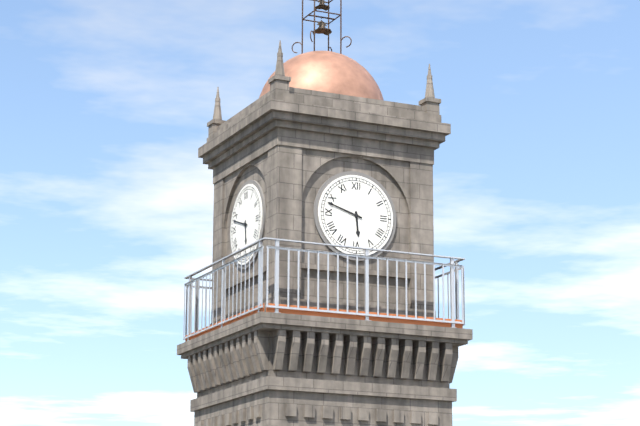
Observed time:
5:48
